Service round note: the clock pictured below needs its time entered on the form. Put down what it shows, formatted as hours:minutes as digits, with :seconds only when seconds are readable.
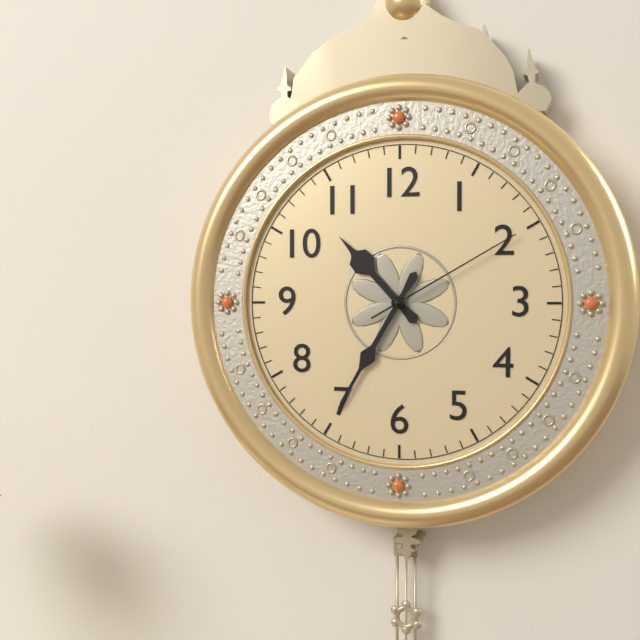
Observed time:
10:35:10
